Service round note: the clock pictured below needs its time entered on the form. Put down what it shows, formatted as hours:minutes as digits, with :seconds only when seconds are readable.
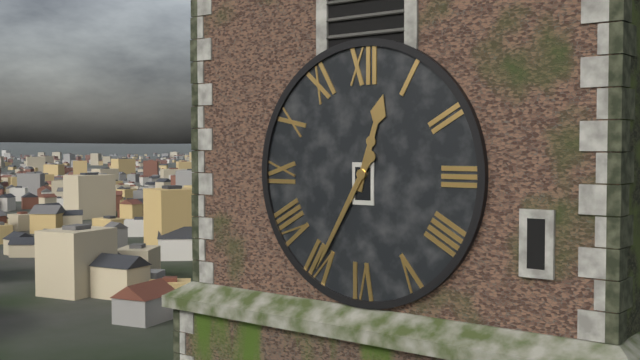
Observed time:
12:35
